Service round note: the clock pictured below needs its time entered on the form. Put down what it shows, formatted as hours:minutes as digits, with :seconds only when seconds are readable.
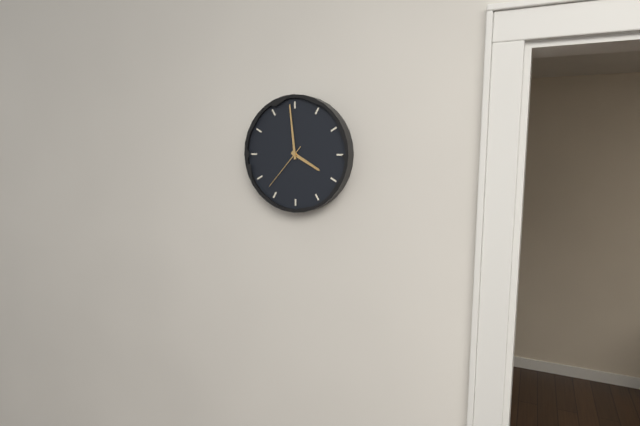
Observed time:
3:59:37
